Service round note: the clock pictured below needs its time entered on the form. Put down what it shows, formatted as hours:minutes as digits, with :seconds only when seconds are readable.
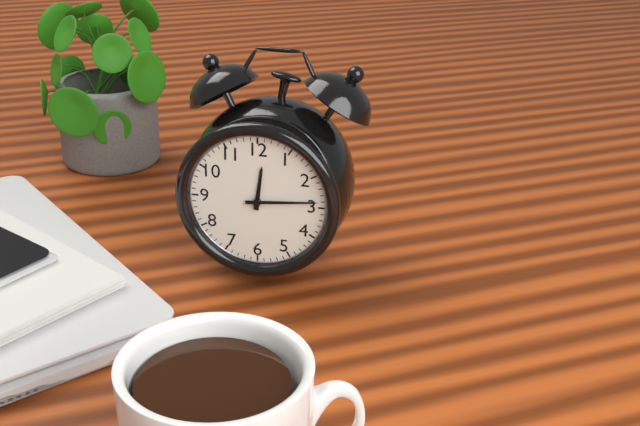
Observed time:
12:14
